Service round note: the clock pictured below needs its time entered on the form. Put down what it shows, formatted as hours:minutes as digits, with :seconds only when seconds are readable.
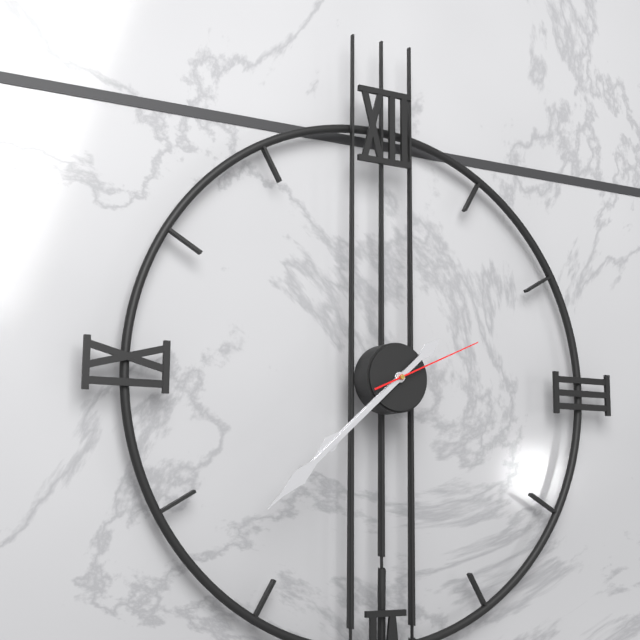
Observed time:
7:38:11
